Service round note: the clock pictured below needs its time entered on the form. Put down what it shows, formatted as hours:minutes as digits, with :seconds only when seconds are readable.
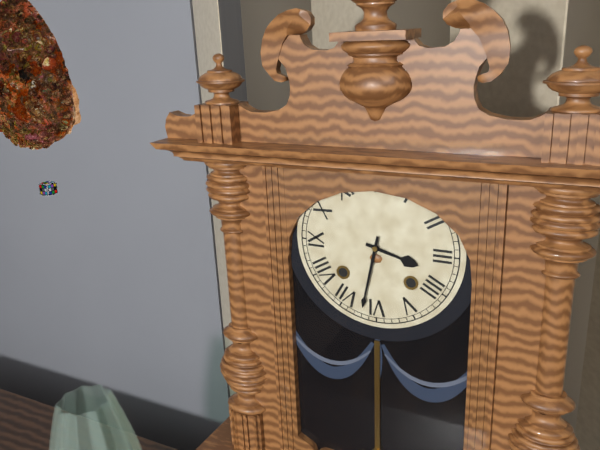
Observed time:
3:32
